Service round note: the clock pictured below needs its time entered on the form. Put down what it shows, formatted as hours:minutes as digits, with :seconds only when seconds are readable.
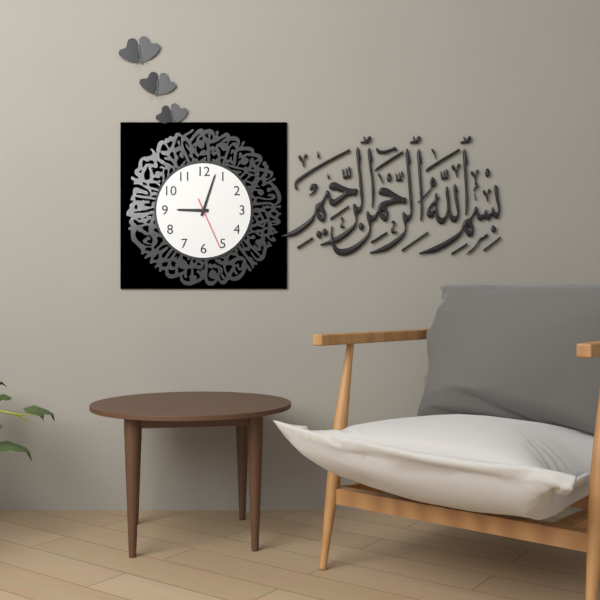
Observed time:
9:03:26
